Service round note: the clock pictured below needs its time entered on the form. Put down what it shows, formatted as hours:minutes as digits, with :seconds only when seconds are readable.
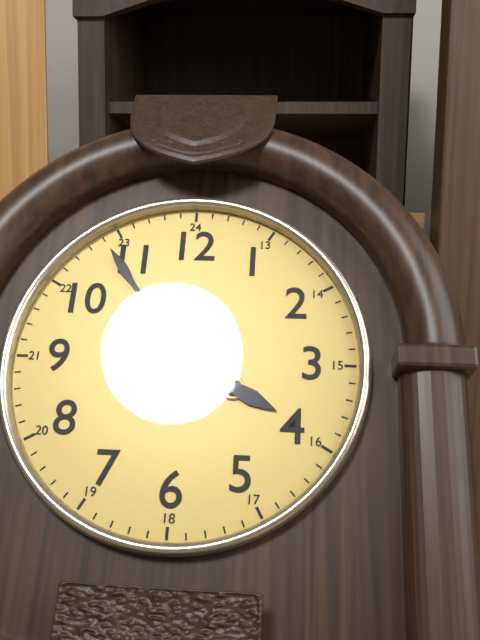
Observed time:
3:54
